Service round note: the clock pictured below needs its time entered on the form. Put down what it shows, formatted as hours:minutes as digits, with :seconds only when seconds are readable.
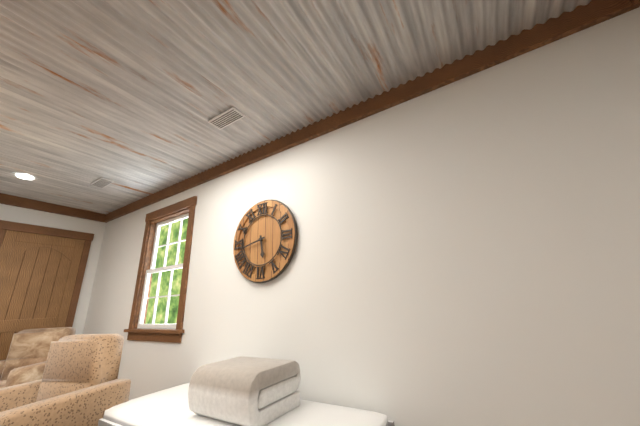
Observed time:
5:43
